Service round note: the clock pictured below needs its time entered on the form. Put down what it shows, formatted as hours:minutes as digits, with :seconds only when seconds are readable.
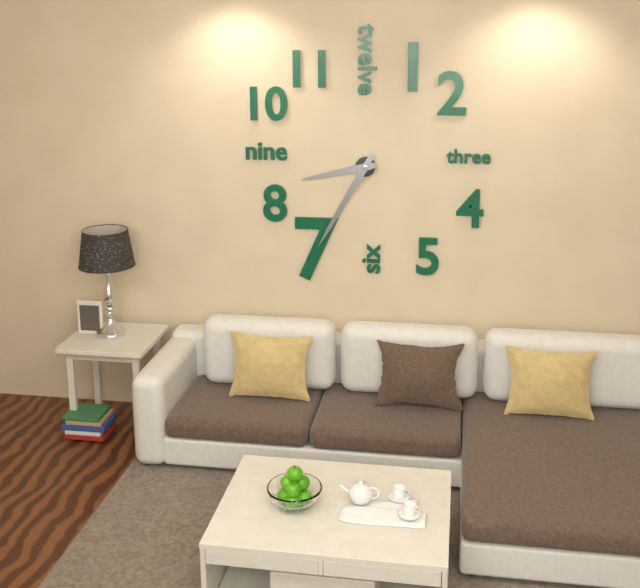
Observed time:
8:35
